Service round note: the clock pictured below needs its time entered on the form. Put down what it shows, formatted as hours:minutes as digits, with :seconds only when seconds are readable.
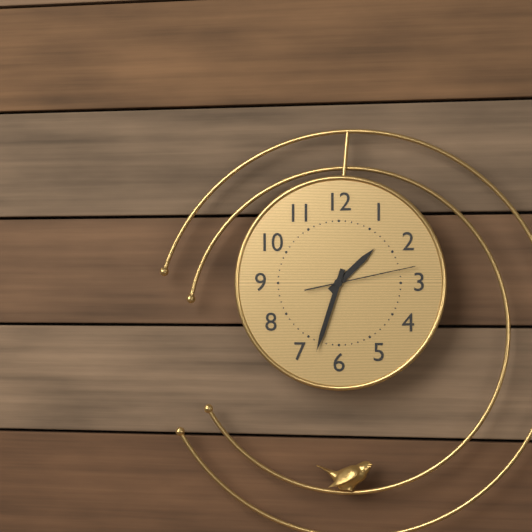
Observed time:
1:33:13
